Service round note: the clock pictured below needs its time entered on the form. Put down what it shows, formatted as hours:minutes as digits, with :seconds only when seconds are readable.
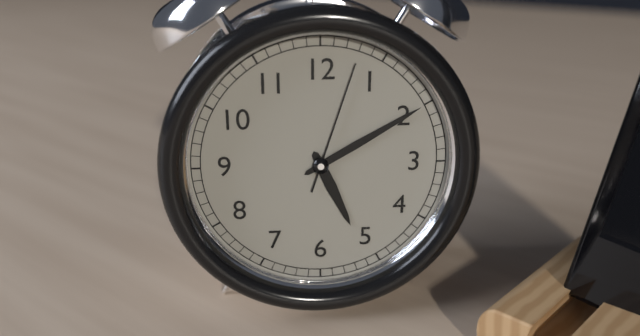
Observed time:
5:10:03
